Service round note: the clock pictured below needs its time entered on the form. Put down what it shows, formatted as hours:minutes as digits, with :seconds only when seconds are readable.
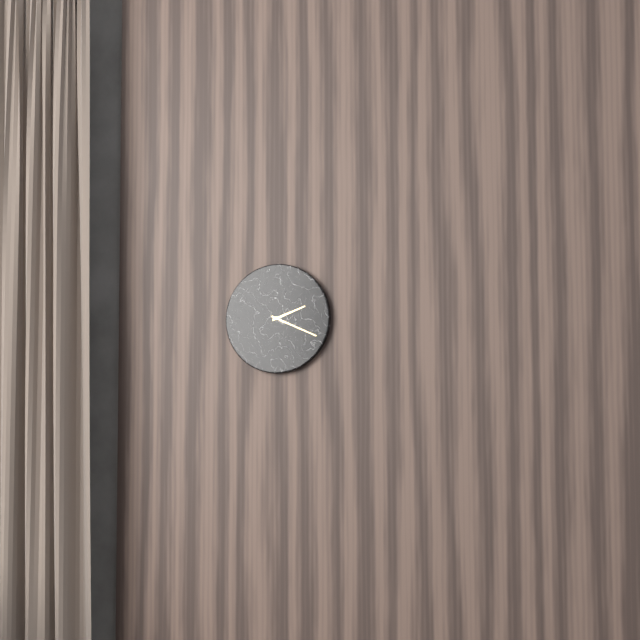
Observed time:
2:19
